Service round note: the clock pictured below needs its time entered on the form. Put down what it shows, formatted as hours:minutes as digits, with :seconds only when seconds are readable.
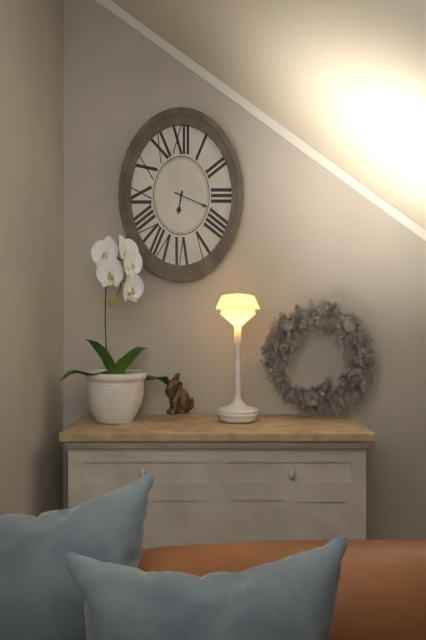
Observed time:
6:19
